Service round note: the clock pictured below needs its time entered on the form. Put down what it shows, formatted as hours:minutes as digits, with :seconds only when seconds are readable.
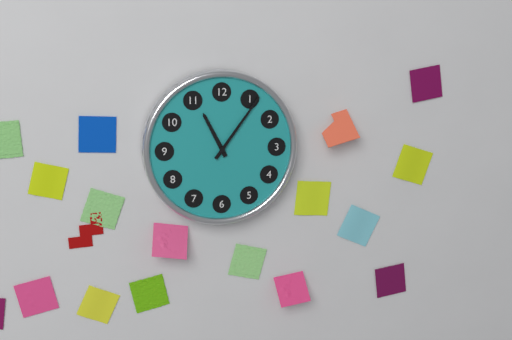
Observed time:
11:06
